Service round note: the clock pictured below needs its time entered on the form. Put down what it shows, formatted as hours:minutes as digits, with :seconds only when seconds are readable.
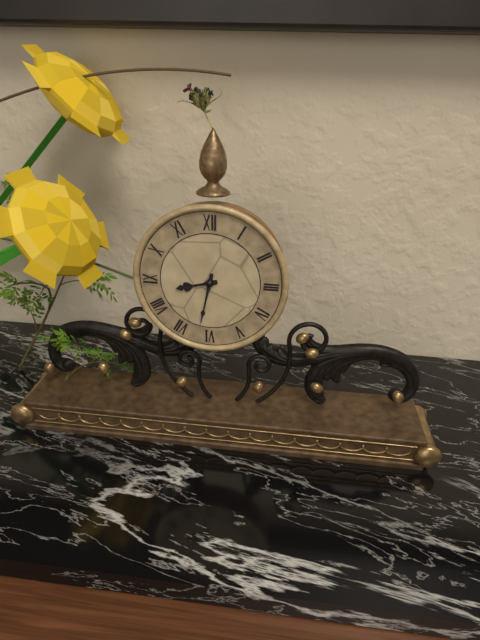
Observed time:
8:32
